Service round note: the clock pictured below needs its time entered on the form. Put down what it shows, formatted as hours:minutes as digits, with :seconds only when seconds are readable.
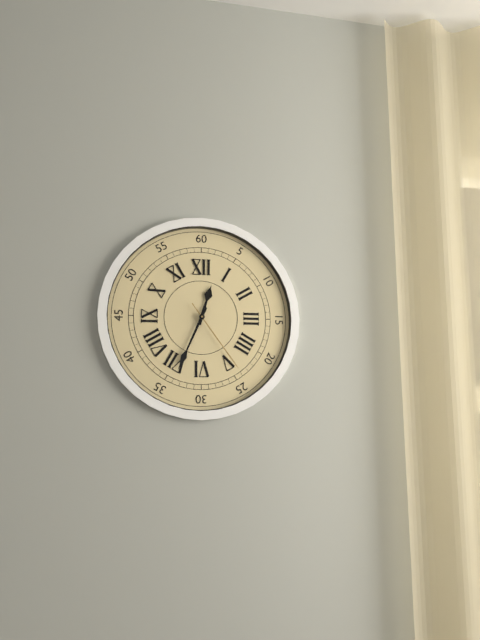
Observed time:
12:34:24
